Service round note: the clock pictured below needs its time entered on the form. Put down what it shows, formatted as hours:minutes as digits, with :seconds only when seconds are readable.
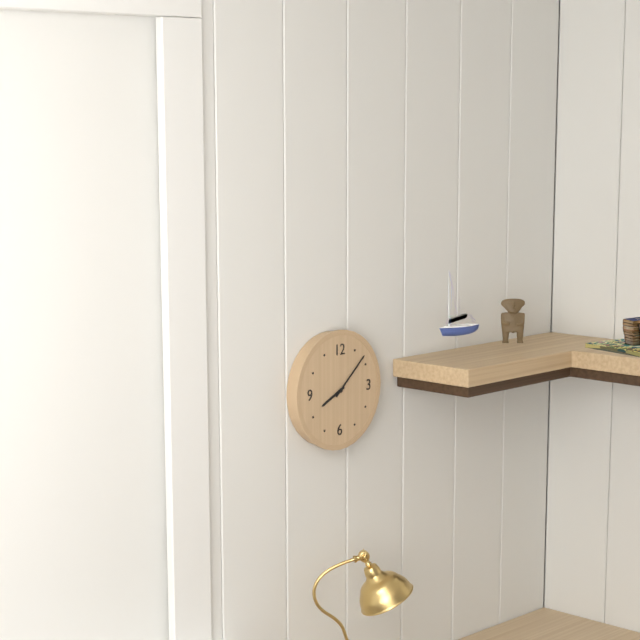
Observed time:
8:08
